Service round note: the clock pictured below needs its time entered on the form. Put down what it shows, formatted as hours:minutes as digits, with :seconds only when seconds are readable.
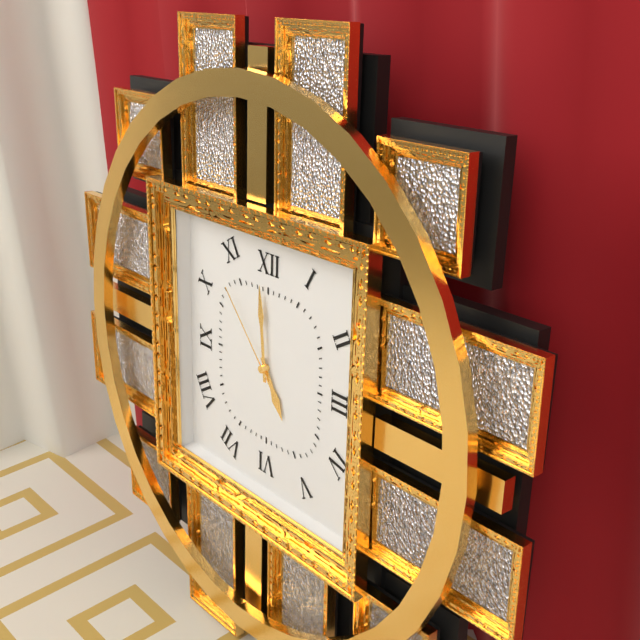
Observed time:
4:59:53
